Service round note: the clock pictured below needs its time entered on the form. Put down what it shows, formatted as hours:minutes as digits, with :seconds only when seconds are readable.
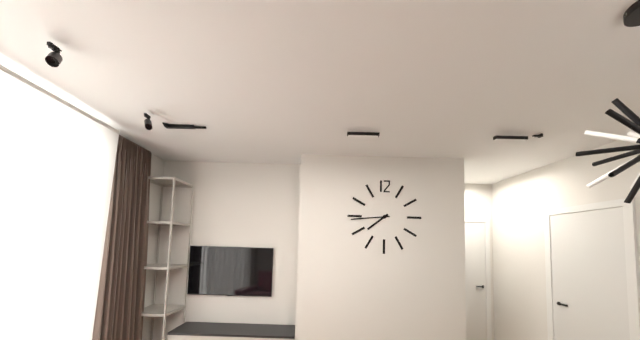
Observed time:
7:44
